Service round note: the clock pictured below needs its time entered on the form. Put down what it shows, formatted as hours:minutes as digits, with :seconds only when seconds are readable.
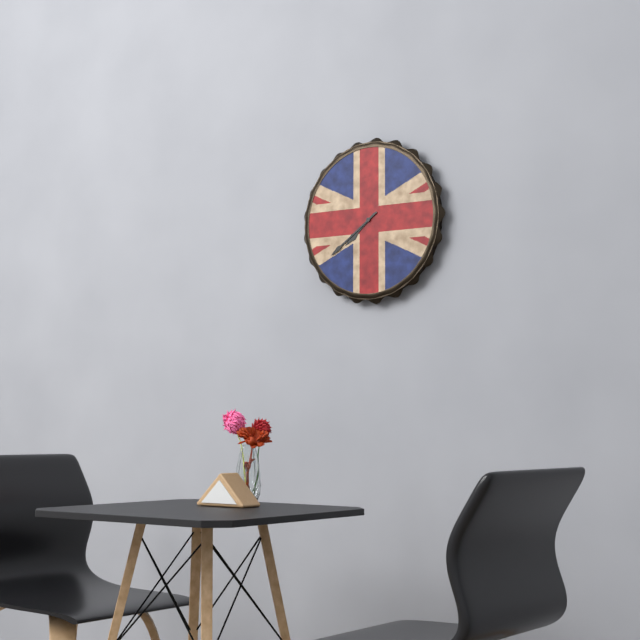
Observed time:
7:39
